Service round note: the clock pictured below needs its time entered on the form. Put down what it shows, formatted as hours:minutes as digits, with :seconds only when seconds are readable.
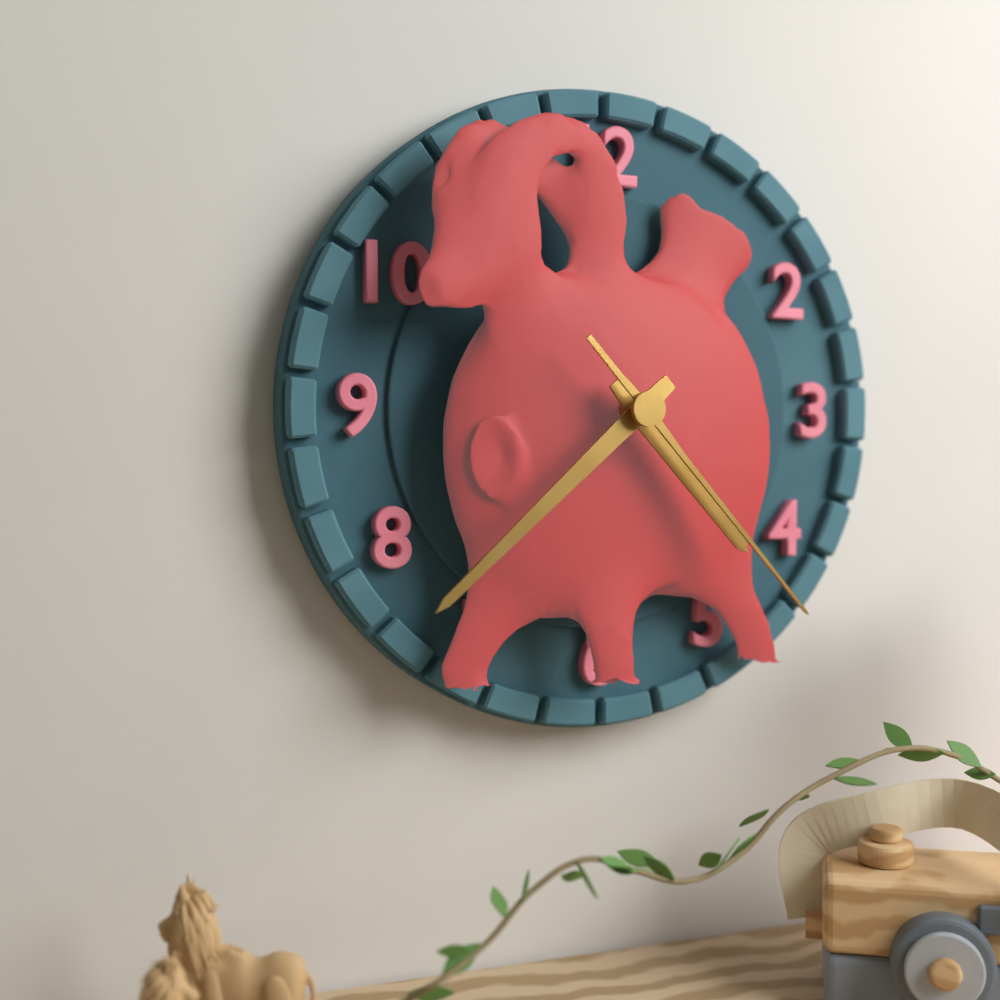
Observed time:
4:38:23
